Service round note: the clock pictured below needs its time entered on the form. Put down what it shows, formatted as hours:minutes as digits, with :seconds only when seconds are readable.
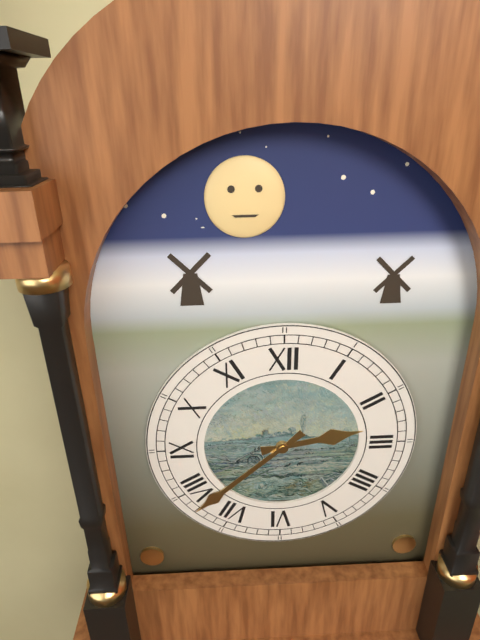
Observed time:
2:38
